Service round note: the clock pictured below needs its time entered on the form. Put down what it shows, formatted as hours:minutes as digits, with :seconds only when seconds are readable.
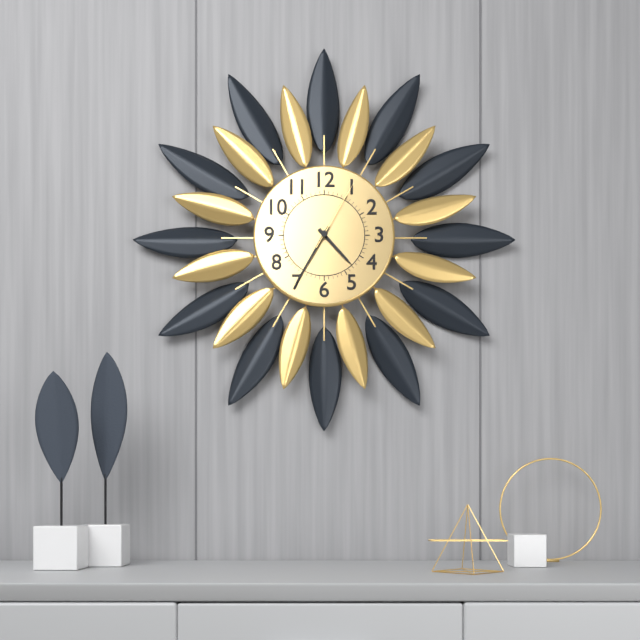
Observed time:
4:35:05
